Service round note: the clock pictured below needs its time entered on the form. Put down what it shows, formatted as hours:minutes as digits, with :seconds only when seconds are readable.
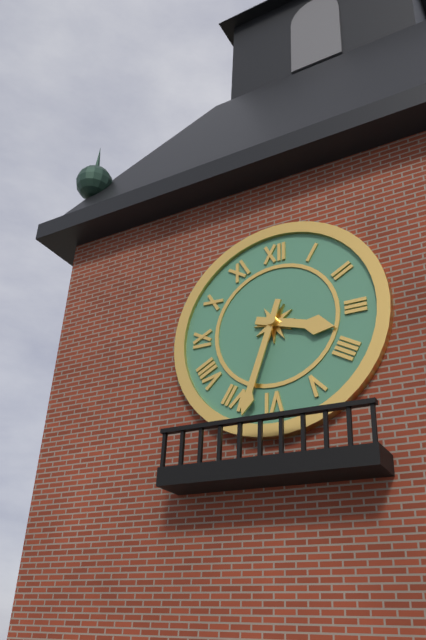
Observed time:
3:33
